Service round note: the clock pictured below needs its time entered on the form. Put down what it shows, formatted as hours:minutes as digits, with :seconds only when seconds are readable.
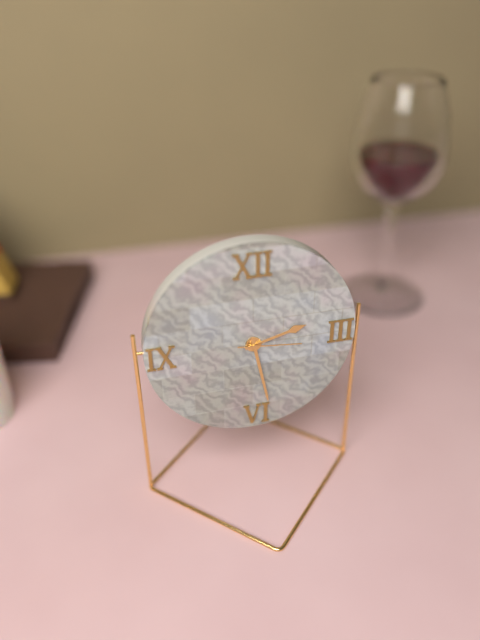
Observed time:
2:28:16
